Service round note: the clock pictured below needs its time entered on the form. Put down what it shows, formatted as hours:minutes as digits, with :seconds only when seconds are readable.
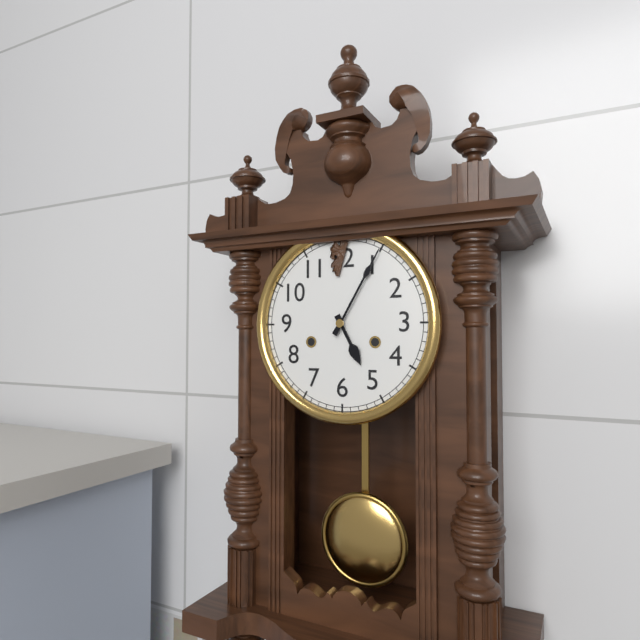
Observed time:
5:05
